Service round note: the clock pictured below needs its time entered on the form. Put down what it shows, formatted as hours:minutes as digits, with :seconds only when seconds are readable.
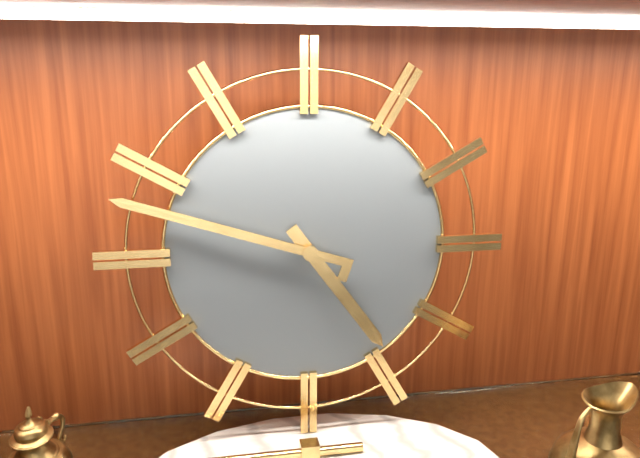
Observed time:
4:48
